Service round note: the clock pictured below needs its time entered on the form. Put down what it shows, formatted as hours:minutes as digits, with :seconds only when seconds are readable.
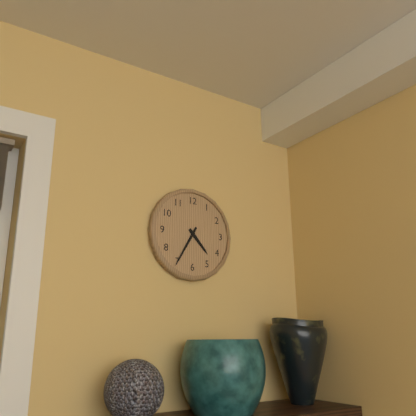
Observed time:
4:35
